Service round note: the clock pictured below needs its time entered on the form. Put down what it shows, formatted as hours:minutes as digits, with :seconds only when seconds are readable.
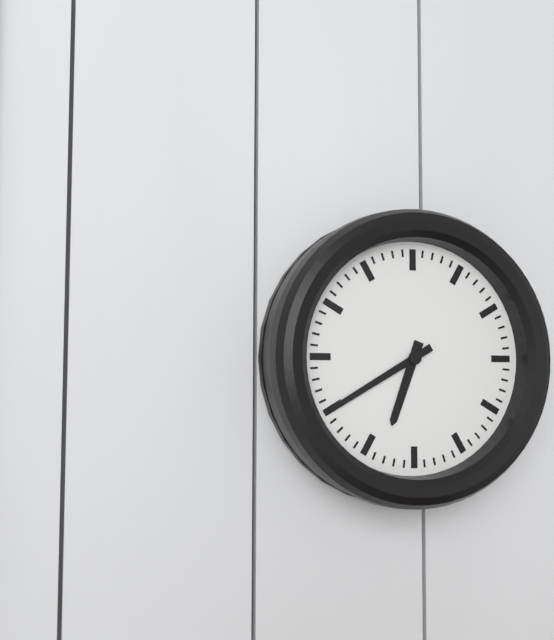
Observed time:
6:40
